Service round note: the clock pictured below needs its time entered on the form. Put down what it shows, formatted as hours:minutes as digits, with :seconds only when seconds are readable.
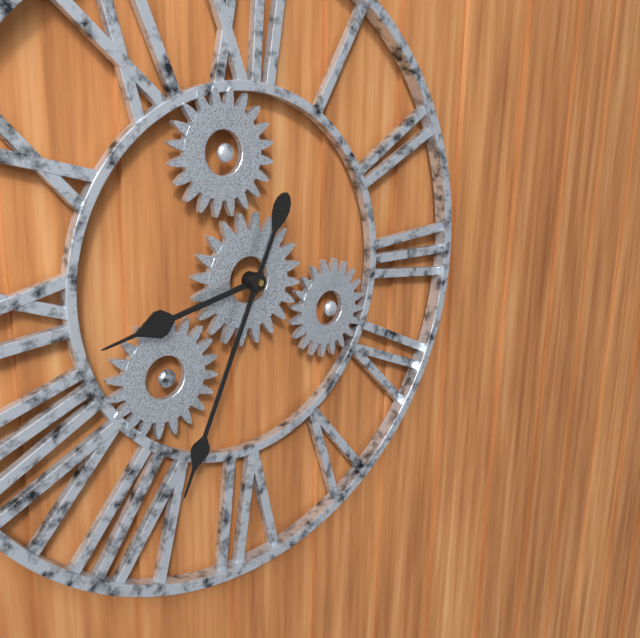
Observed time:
8:34
